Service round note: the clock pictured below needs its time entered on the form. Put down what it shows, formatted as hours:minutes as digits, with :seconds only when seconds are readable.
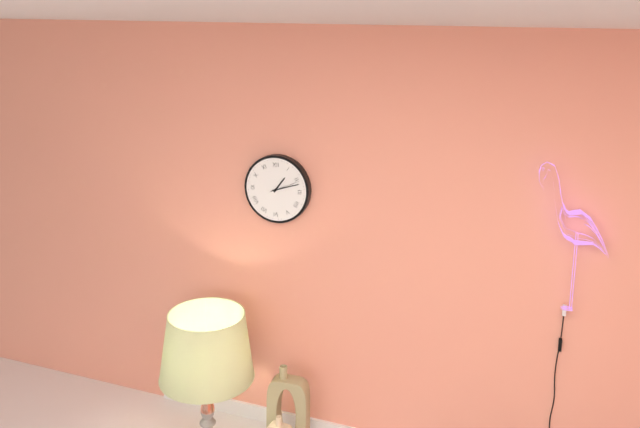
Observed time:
1:12
